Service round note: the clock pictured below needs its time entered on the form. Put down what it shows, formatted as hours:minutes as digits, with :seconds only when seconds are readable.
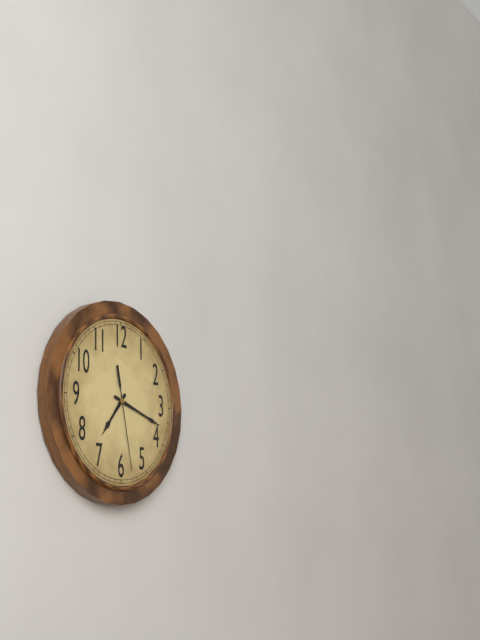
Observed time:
7:18:28
